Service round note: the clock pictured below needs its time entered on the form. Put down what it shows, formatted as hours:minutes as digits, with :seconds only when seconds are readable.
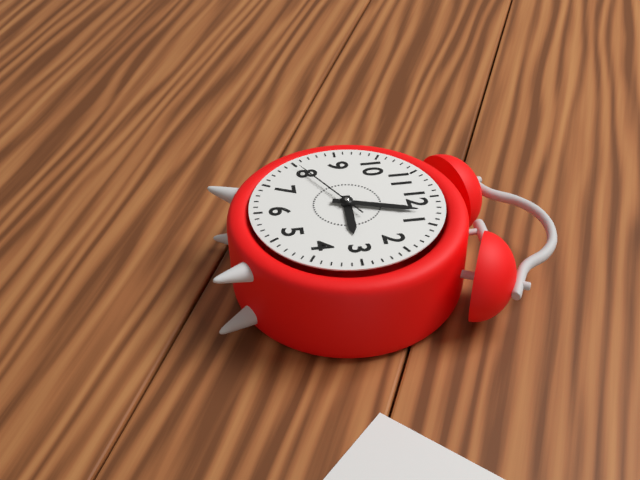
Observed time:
3:03:40
